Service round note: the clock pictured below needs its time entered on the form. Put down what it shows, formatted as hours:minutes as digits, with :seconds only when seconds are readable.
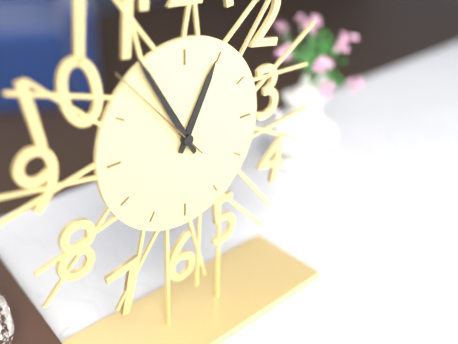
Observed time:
12:55:53
